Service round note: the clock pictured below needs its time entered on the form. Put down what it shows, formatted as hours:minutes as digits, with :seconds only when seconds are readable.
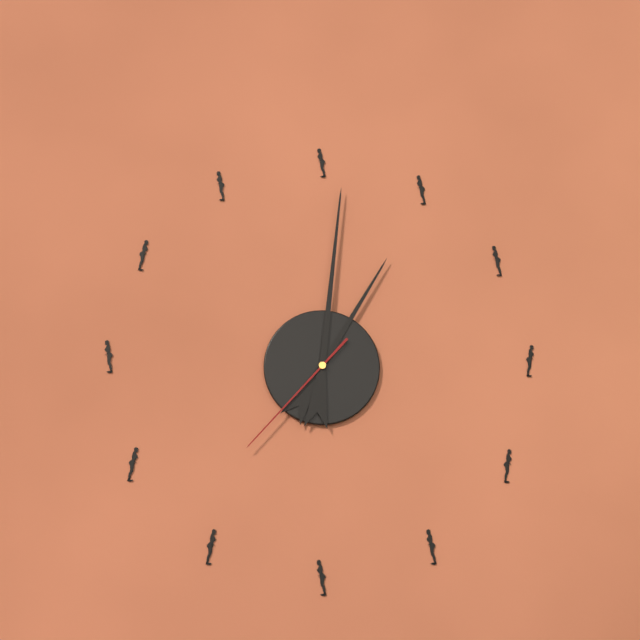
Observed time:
1:01:37
